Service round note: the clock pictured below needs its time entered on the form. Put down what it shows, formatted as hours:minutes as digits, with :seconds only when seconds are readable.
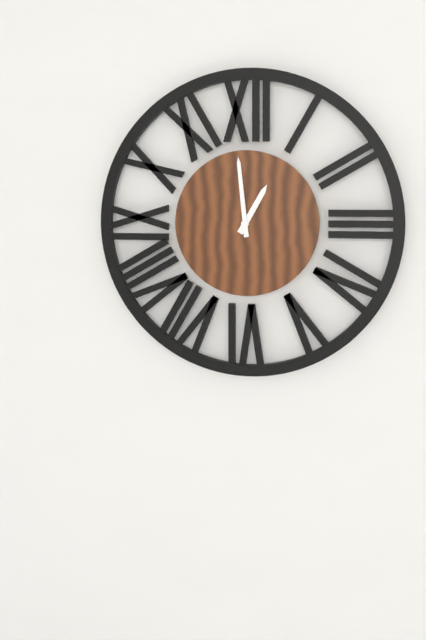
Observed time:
12:59
